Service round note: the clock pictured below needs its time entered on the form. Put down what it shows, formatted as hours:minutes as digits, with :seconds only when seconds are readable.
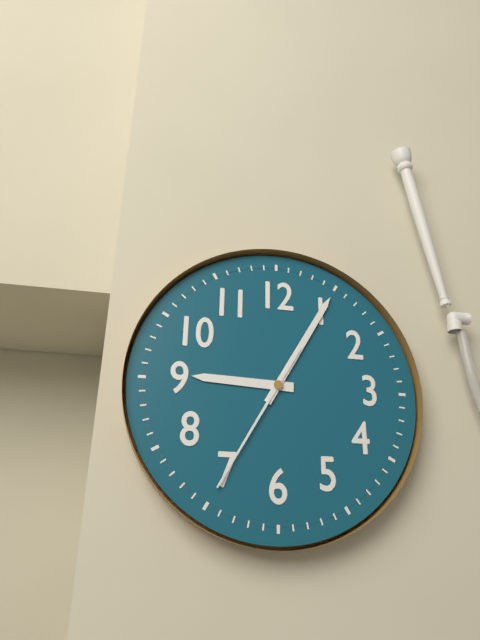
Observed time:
9:05:35
